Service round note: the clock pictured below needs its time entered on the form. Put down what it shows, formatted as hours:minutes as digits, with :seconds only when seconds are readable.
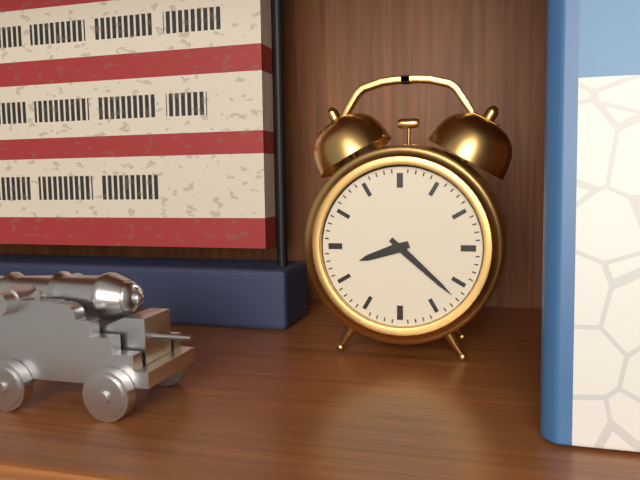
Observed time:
8:22
